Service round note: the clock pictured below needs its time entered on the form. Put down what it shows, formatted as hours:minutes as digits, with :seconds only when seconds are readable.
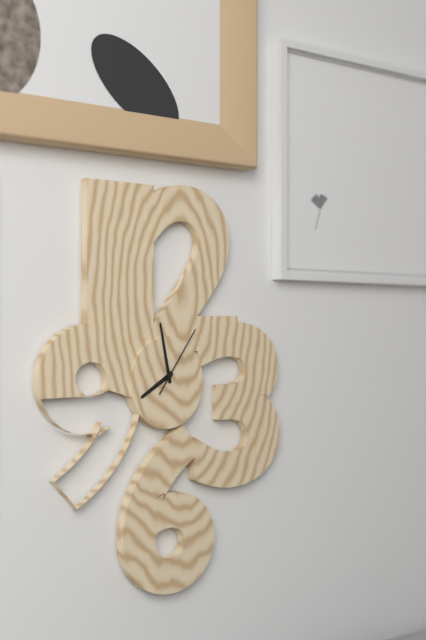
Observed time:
7:58:06
